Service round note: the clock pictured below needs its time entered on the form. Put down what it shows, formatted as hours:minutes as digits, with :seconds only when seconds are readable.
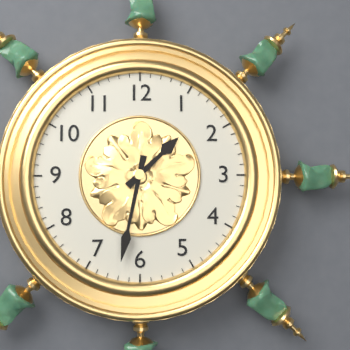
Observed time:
1:32
